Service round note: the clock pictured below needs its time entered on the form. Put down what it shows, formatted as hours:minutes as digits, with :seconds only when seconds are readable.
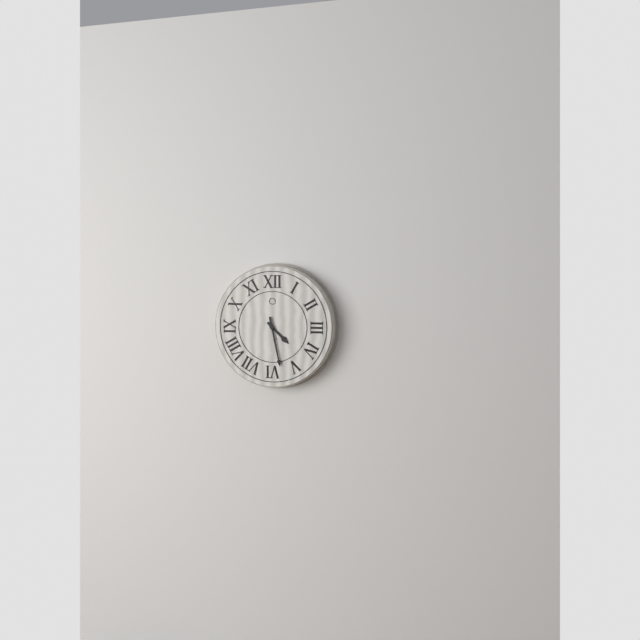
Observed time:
4:28
